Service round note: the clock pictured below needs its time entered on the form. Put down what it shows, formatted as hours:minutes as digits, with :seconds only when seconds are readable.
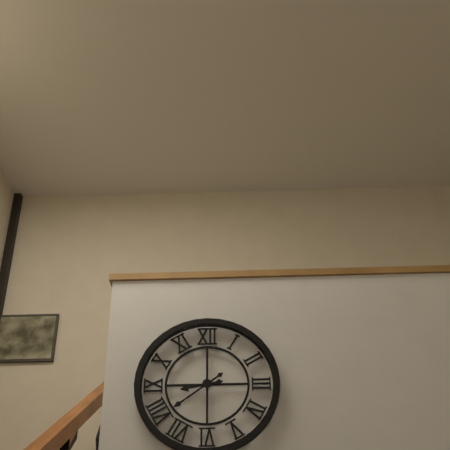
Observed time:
8:39
